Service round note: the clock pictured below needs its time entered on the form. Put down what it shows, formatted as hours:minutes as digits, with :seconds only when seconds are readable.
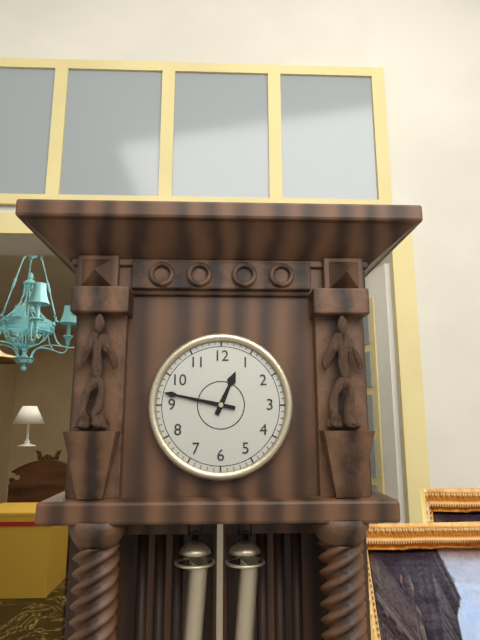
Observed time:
12:47
